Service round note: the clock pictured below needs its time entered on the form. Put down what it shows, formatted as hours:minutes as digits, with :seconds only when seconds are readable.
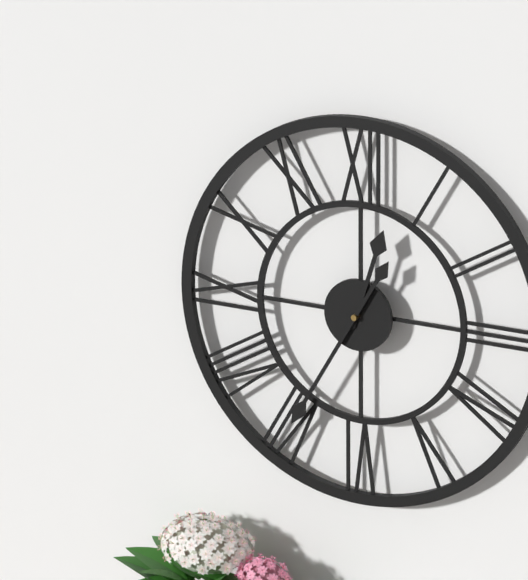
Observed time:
12:35
